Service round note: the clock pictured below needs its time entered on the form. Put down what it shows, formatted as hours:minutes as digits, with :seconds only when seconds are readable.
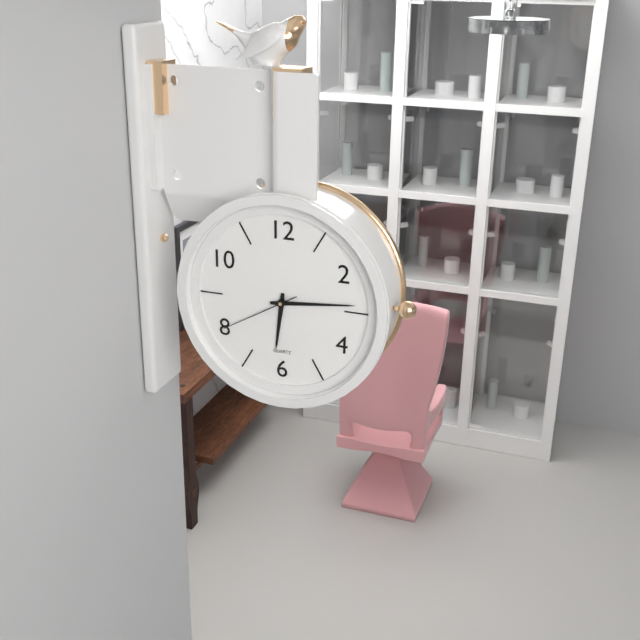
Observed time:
6:14:40
